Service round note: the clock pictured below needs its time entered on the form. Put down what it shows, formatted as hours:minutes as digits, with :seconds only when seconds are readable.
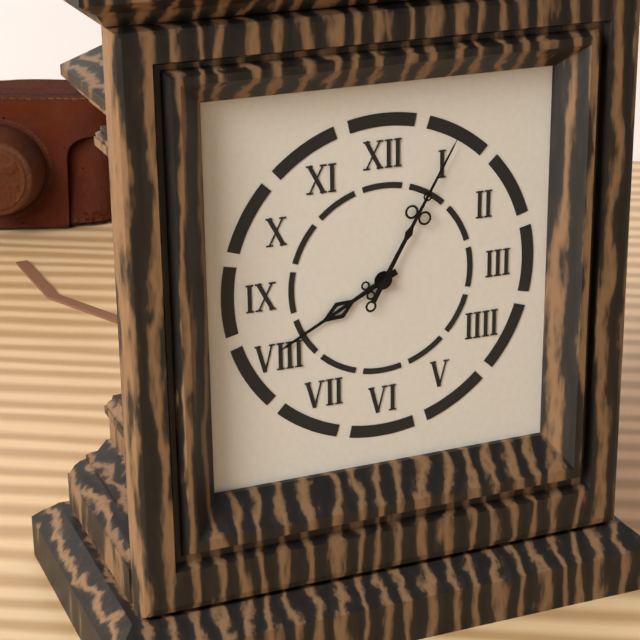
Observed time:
8:05
